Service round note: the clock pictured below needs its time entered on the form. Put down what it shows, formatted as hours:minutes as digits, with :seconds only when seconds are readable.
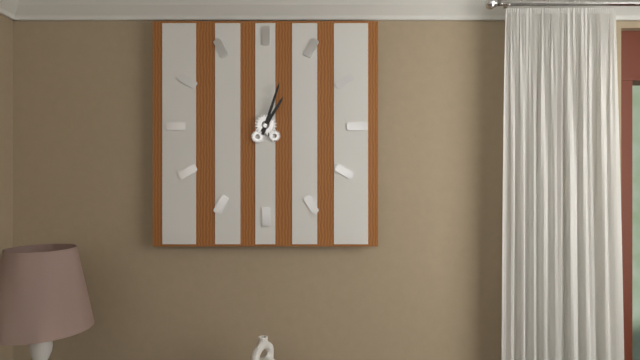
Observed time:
1:03
